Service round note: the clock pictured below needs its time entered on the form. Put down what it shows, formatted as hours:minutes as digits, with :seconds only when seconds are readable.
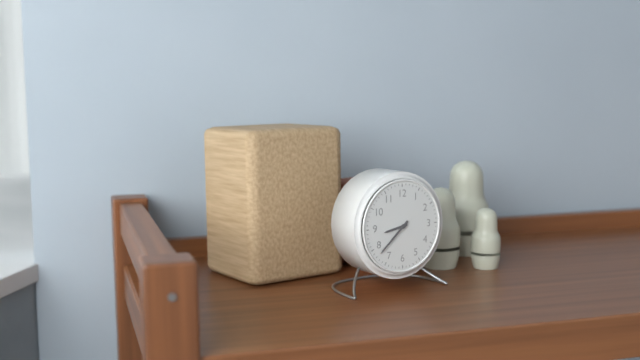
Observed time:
8:38
